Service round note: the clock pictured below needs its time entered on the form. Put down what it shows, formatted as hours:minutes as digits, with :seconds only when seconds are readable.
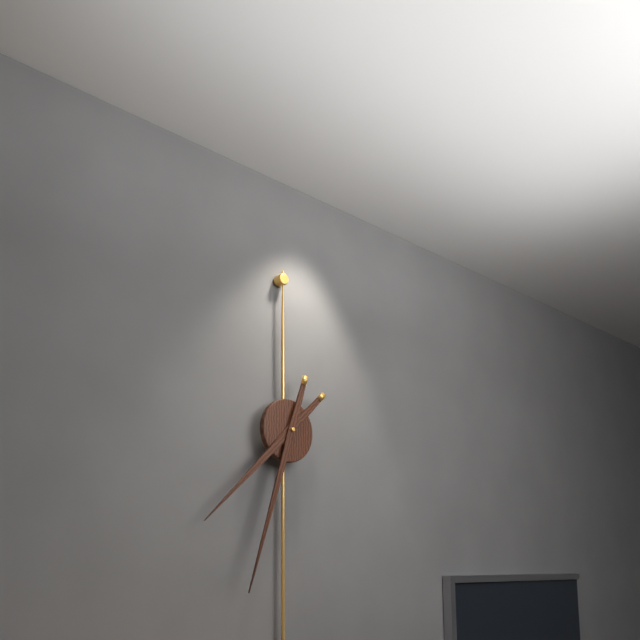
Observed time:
7:33
